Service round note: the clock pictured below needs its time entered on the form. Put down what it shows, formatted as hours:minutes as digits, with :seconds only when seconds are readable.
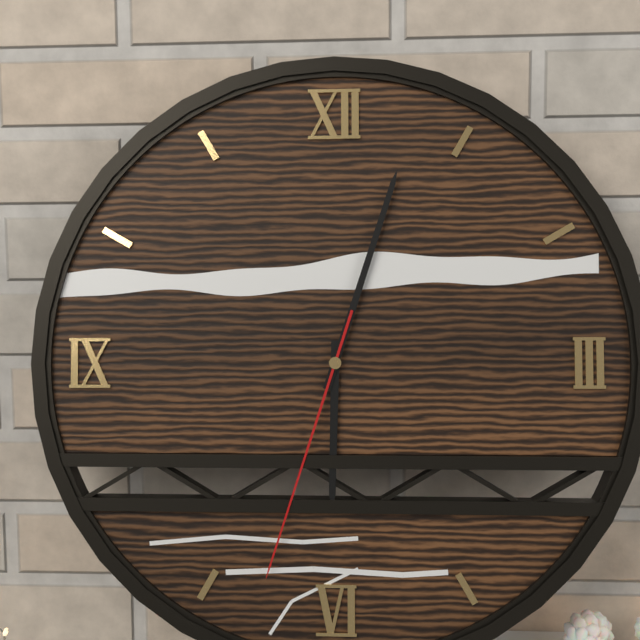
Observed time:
6:03:33
